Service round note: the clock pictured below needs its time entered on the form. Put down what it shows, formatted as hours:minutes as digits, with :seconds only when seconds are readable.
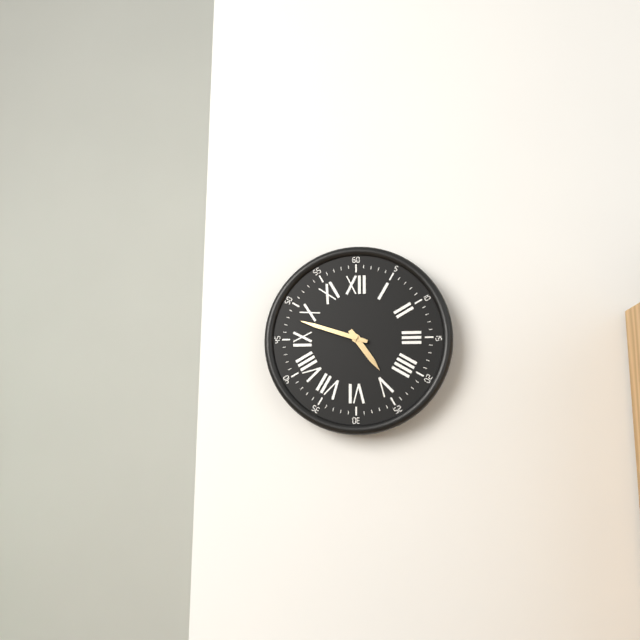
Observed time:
4:48
